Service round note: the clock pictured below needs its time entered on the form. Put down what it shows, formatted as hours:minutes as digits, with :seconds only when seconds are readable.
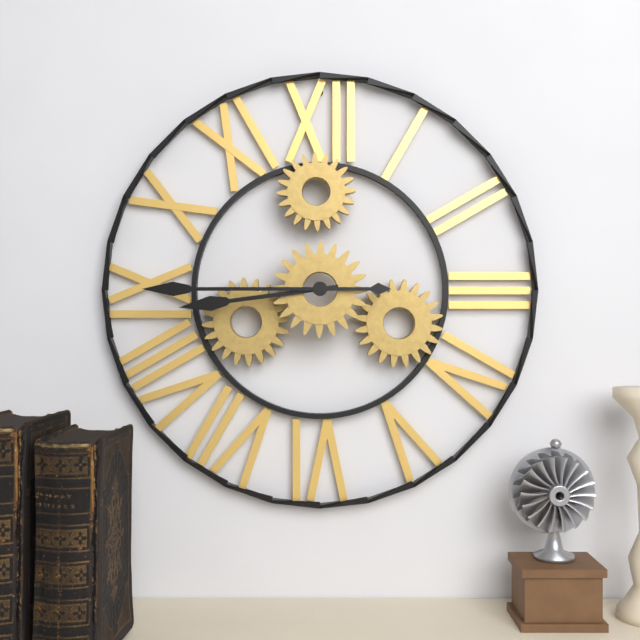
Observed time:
8:45
